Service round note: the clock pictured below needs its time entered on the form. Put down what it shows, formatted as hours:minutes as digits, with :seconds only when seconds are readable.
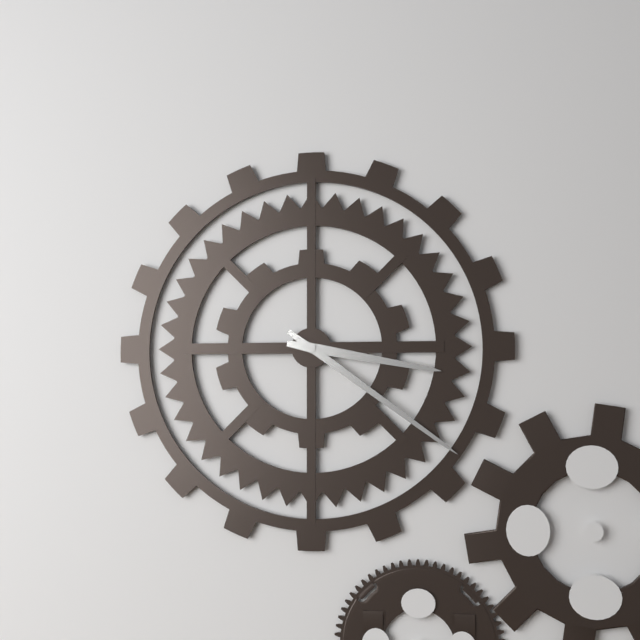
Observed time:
3:21
